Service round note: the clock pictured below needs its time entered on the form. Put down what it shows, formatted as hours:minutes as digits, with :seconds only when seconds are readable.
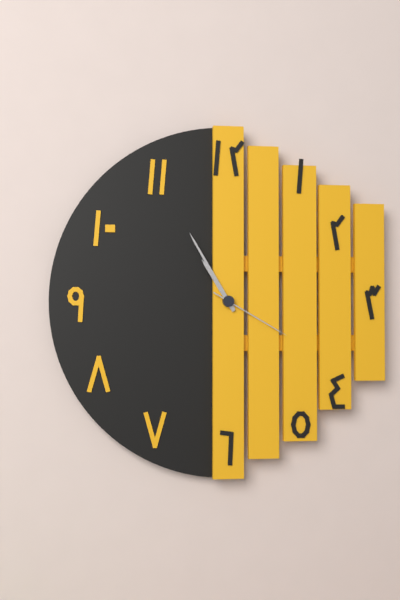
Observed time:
10:55:20
